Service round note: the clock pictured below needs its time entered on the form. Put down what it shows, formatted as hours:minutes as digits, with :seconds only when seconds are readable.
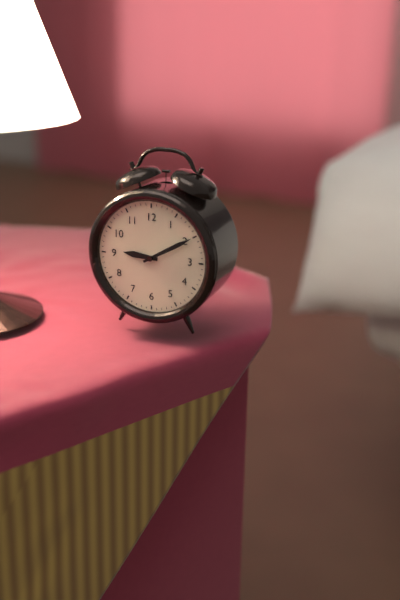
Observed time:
9:10
